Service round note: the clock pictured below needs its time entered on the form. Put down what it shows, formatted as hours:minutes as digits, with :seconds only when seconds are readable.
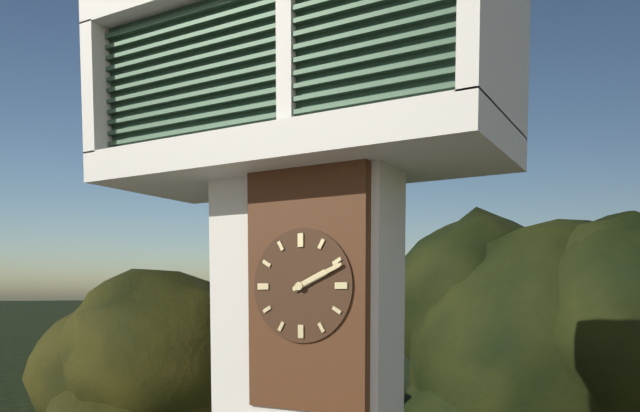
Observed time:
2:11
